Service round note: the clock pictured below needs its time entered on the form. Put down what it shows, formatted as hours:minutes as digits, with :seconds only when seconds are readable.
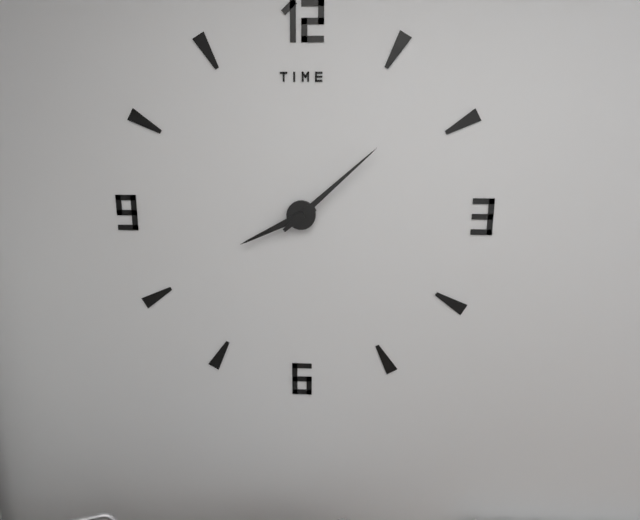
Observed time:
8:08
